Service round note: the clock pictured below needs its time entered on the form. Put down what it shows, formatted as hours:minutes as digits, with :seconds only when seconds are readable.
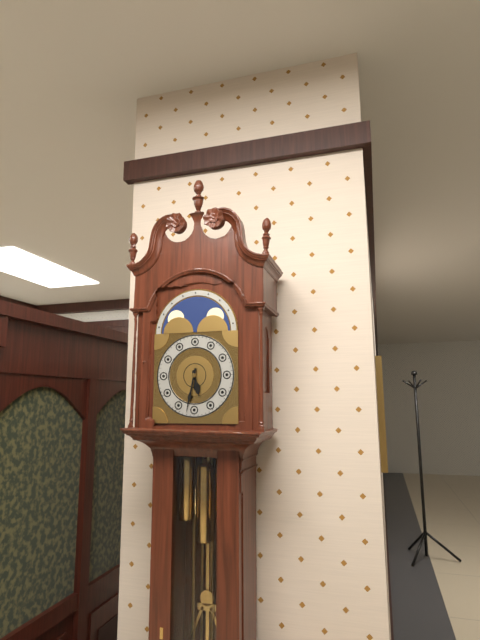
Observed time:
5:32
